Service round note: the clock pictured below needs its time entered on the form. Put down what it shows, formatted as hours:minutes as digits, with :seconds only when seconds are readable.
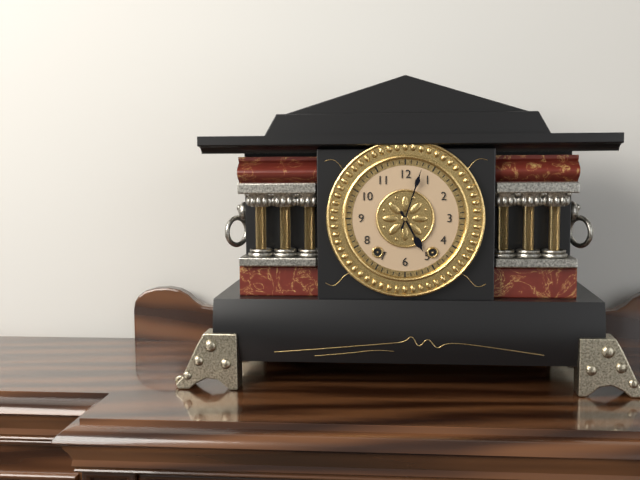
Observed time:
5:03
